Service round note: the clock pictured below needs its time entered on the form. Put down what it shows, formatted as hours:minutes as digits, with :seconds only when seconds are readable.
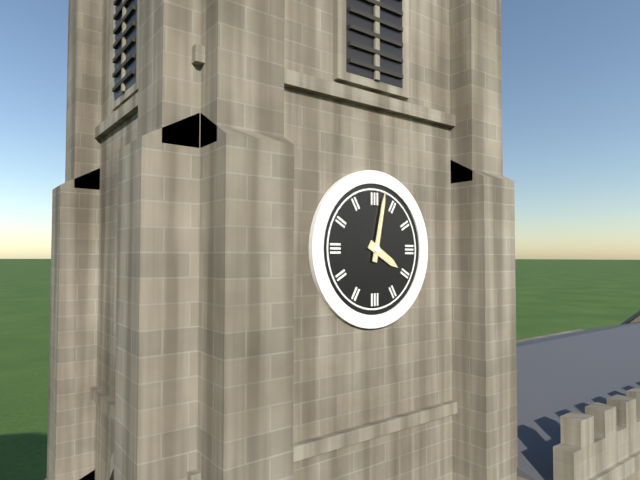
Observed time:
4:02
